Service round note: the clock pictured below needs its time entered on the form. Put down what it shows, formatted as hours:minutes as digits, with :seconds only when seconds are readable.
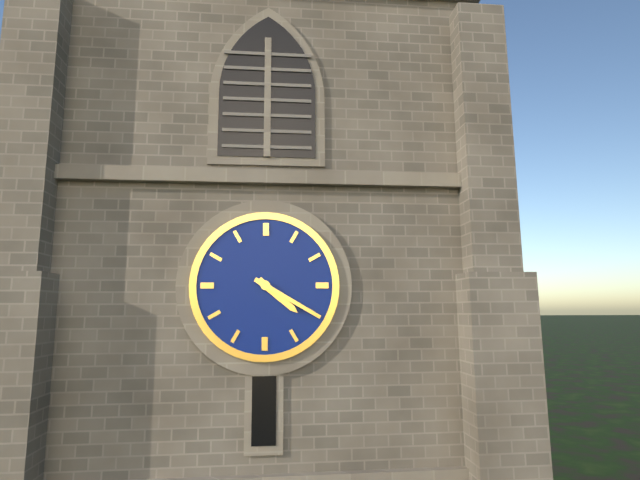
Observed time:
4:20
